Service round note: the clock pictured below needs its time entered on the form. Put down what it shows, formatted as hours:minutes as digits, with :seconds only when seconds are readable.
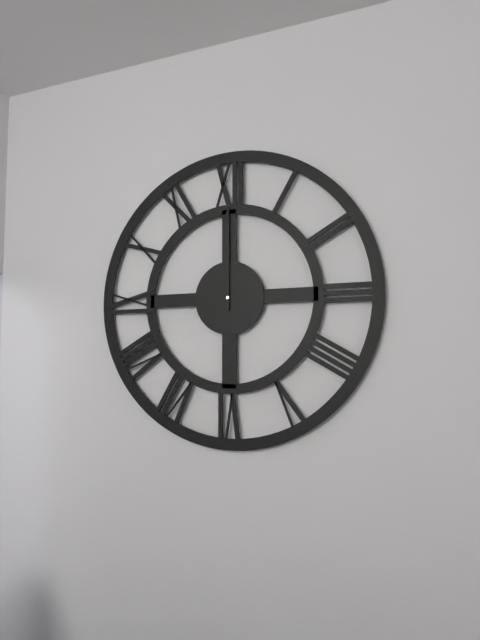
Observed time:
12:00
